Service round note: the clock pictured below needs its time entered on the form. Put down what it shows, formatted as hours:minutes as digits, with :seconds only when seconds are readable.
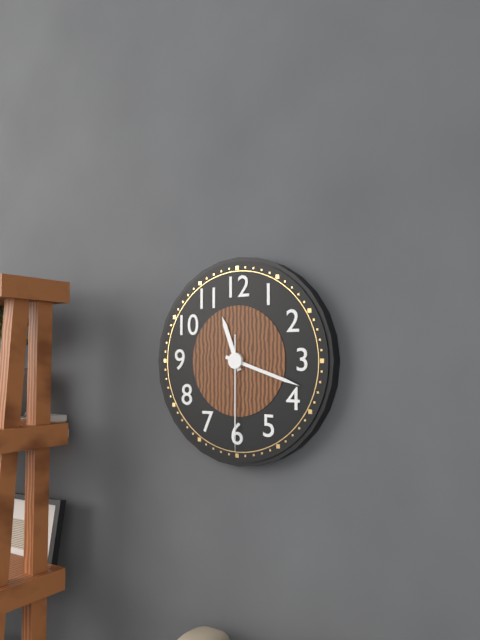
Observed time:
11:18:30
